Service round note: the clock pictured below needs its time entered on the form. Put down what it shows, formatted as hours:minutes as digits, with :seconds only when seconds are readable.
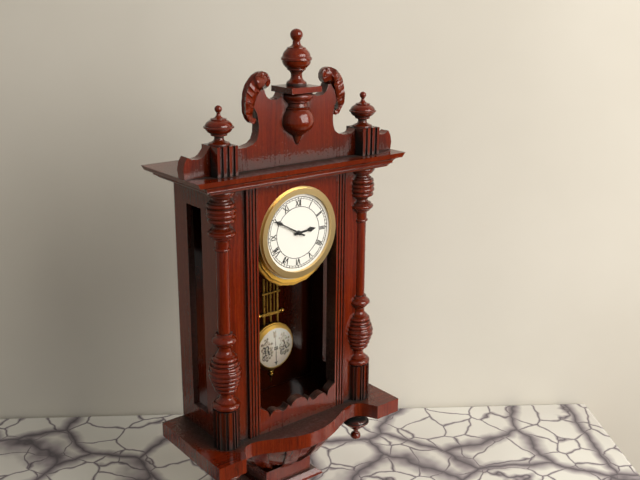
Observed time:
2:50
